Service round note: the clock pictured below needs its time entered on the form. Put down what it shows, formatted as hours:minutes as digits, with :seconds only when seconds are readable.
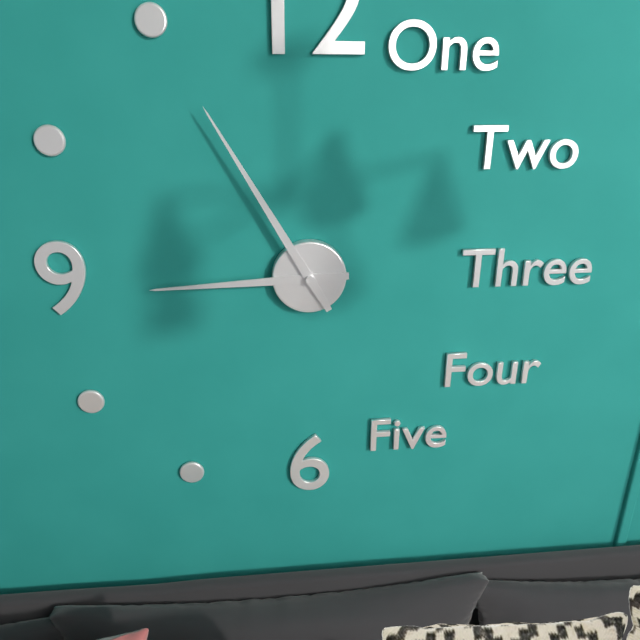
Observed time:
8:55
